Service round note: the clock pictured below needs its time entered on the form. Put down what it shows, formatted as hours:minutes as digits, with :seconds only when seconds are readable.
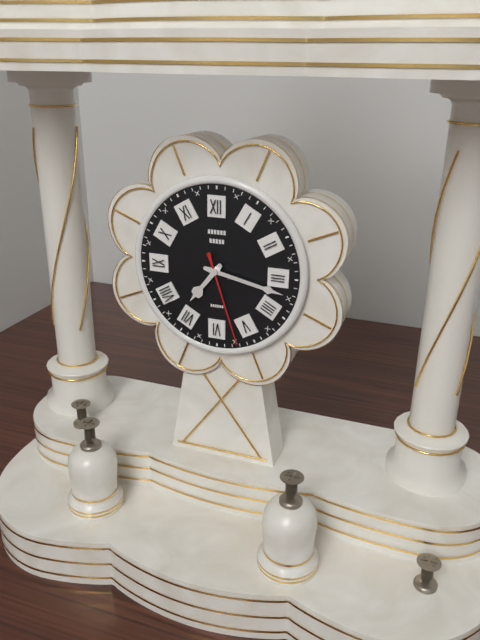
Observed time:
7:17:27
